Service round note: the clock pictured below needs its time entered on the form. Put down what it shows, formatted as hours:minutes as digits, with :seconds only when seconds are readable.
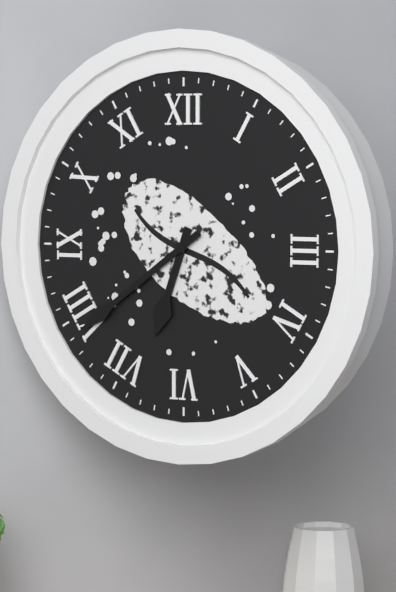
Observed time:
6:39
